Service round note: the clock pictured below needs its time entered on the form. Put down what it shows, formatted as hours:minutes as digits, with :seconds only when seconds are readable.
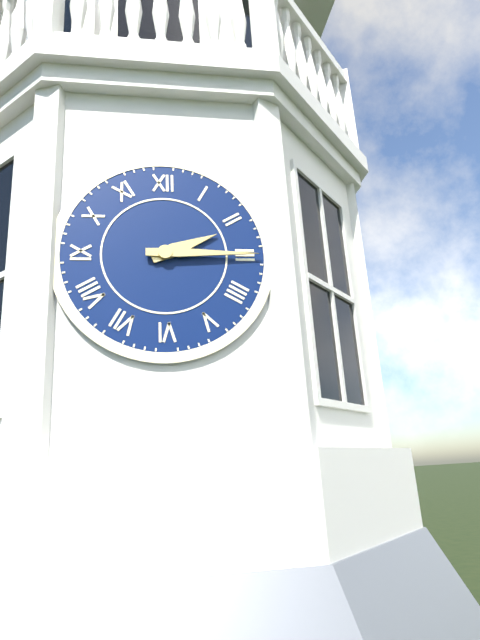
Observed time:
2:15
